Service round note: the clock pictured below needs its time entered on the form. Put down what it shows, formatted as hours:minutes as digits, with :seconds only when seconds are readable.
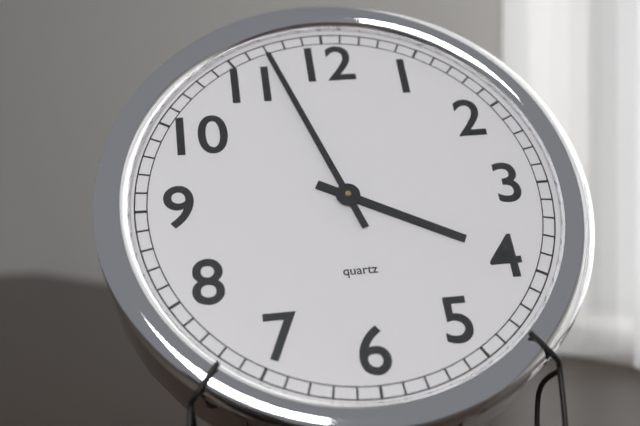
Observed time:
3:57
